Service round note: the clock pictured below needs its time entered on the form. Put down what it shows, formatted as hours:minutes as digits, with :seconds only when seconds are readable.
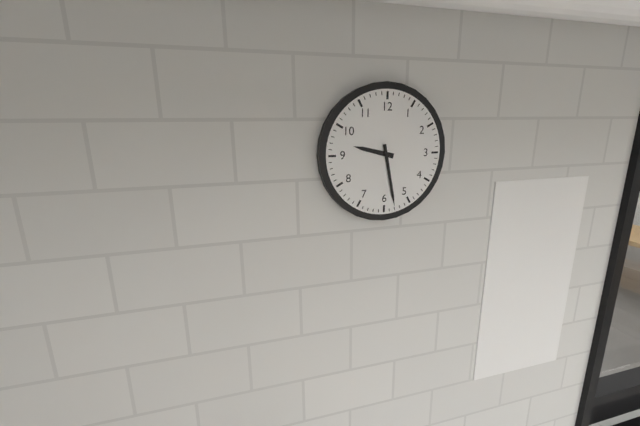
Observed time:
9:28
